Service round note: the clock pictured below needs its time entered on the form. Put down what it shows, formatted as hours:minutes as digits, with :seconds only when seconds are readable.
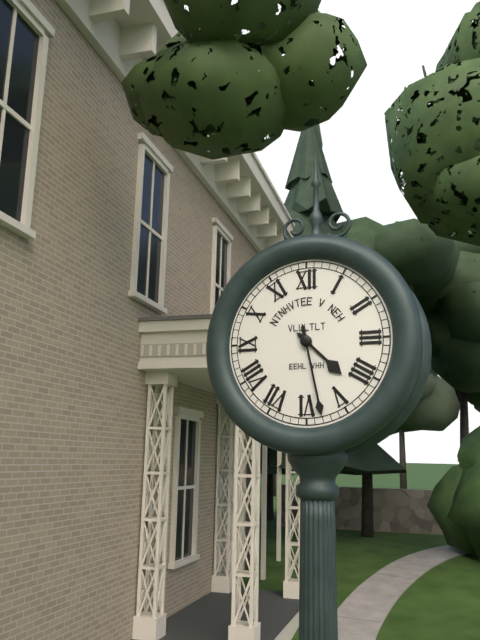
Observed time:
4:28
